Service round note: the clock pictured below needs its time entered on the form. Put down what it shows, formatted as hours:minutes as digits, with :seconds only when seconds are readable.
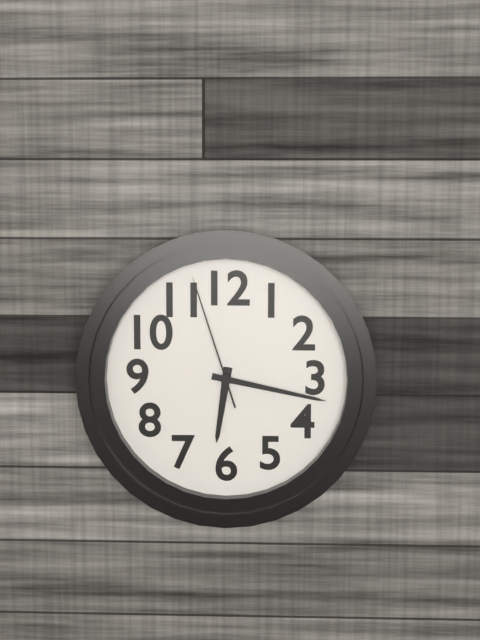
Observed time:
6:17:57
